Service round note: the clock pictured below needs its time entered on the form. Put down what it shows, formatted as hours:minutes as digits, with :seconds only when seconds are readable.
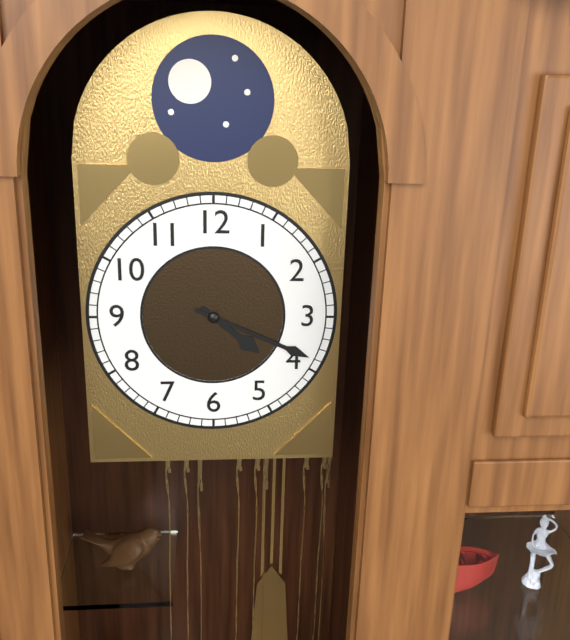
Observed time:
4:19
